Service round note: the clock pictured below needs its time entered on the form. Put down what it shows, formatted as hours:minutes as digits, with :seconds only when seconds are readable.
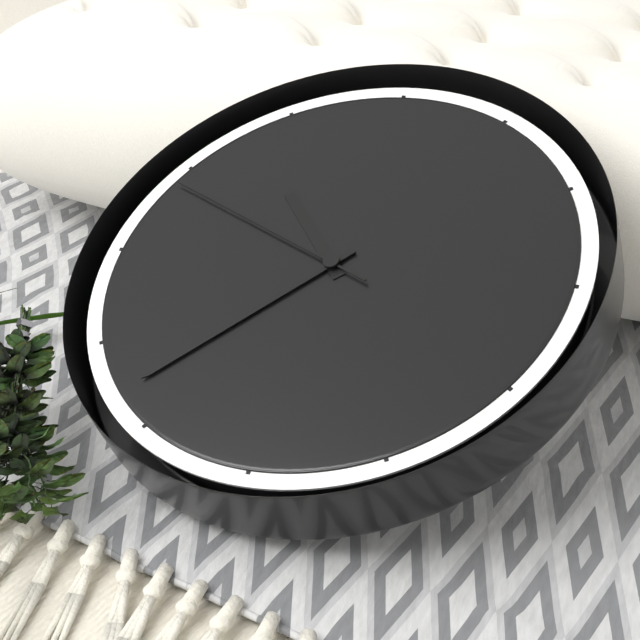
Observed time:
10:37:49
